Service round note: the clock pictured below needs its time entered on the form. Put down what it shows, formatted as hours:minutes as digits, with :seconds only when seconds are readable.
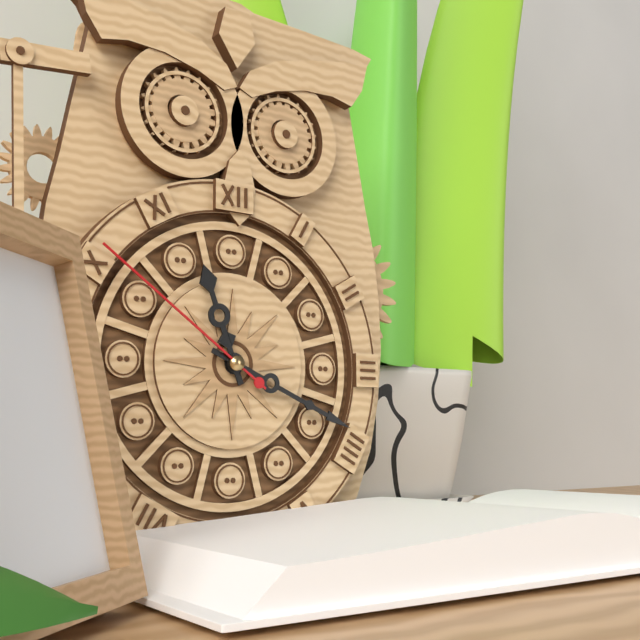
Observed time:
11:19:51
